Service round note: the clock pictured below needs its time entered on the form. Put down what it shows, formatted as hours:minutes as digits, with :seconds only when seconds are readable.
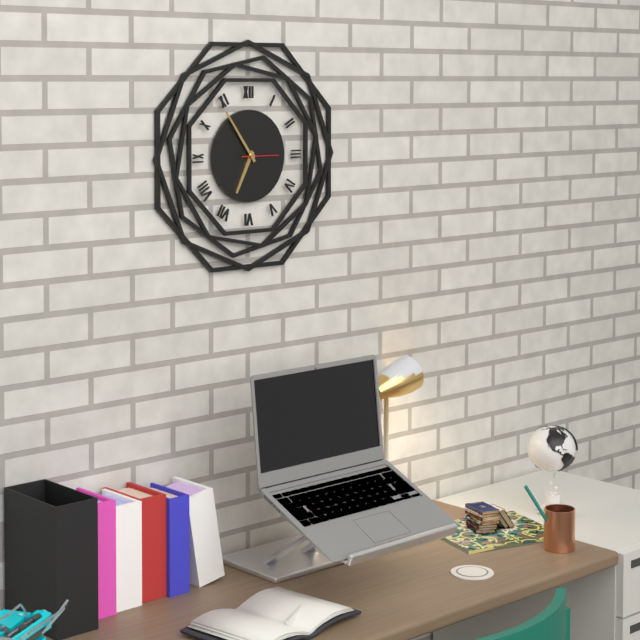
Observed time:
6:54
